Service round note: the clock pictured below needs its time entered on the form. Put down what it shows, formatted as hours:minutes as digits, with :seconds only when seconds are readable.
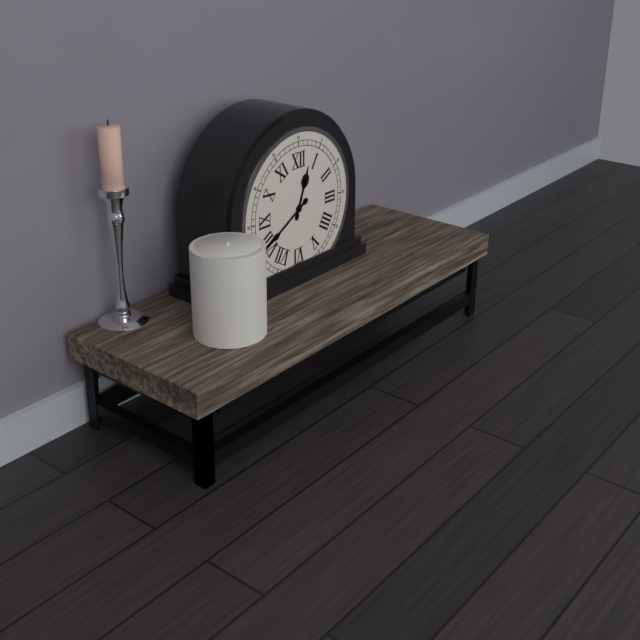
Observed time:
12:40
